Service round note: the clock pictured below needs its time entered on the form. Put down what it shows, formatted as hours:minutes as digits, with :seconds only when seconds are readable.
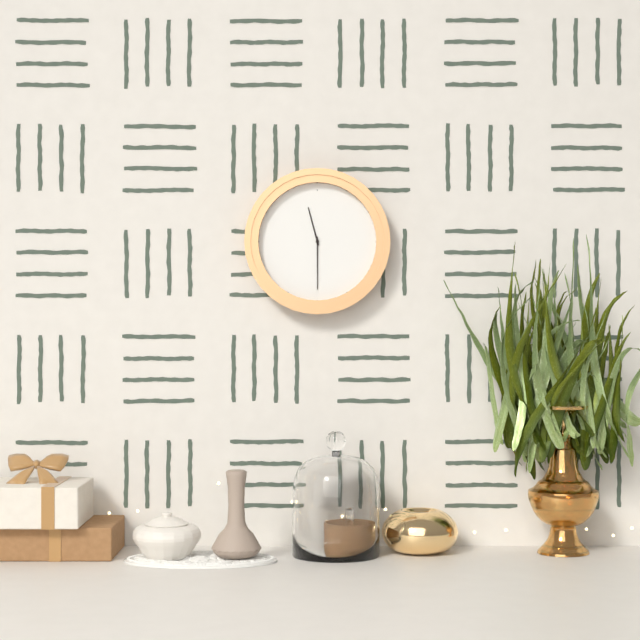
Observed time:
11:30
